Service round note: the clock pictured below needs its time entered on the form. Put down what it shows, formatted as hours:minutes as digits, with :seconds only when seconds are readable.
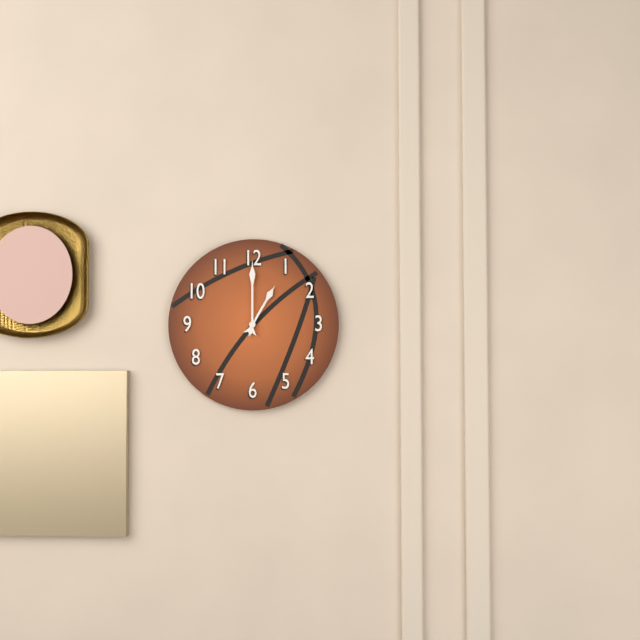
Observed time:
1:00
